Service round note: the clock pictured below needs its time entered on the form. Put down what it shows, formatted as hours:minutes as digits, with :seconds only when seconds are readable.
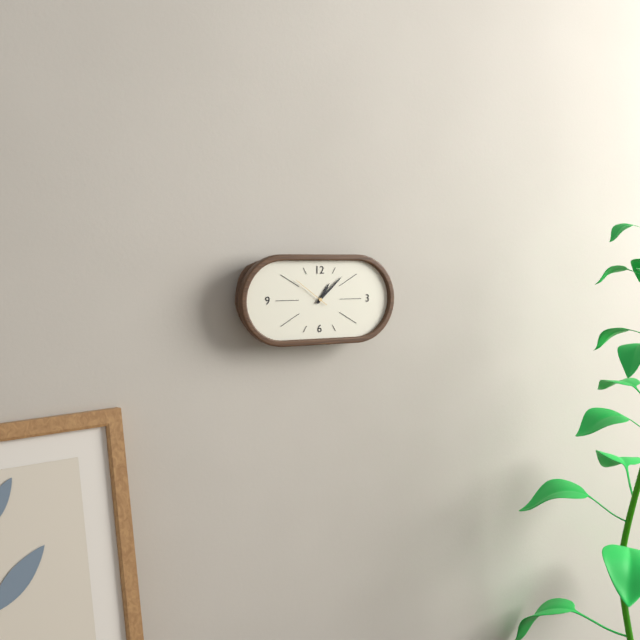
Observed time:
1:08
